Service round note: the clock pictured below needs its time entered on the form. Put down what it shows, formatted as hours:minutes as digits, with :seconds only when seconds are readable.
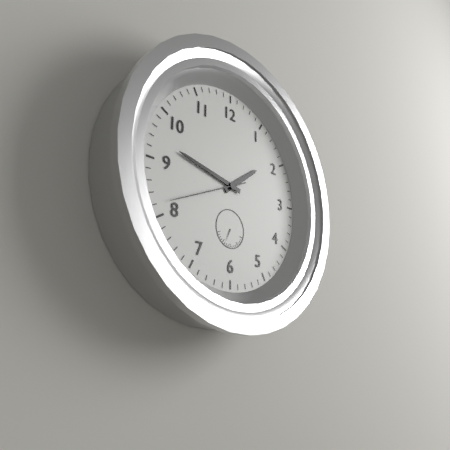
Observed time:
1:47:41
